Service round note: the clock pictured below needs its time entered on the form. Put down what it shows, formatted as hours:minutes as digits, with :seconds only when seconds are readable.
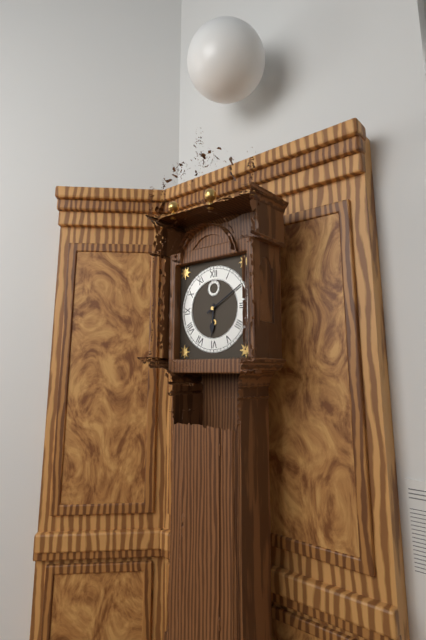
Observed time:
6:10
